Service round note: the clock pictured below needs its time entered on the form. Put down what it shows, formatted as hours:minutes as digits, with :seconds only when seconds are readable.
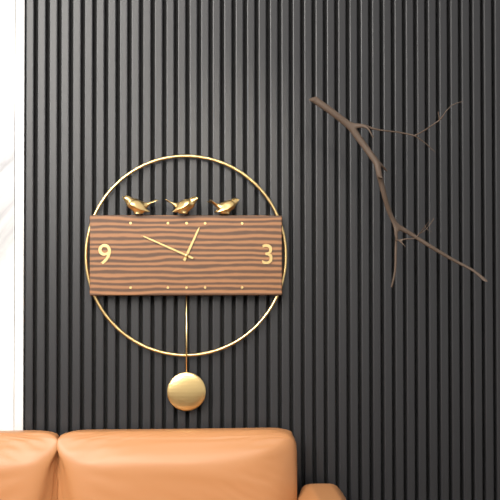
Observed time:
12:49
